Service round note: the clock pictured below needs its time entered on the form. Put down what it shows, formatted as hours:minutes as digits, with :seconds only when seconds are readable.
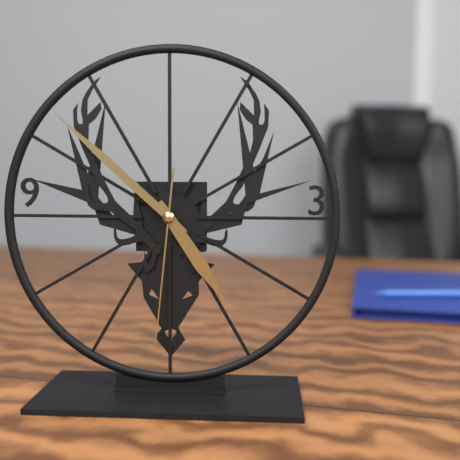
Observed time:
4:52:31
